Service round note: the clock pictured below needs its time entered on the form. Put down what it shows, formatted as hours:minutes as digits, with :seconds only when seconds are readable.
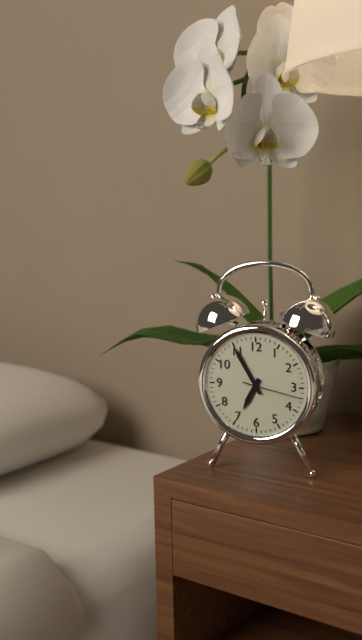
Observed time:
6:55:17
